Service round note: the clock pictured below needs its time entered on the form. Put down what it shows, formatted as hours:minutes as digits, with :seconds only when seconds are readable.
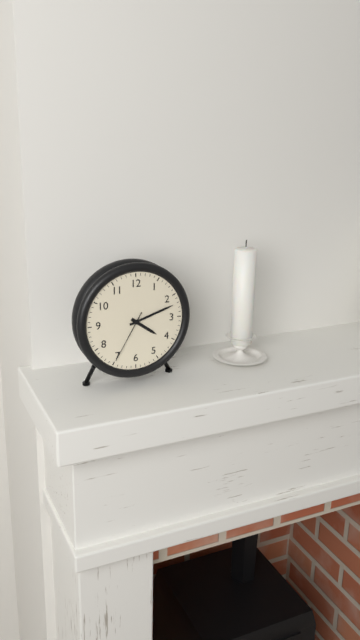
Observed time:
4:12:35
